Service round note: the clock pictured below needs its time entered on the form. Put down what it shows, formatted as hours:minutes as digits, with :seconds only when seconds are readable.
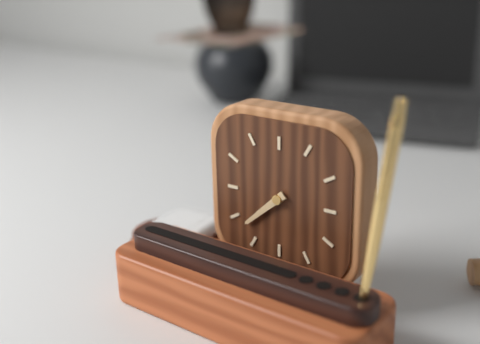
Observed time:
7:38
